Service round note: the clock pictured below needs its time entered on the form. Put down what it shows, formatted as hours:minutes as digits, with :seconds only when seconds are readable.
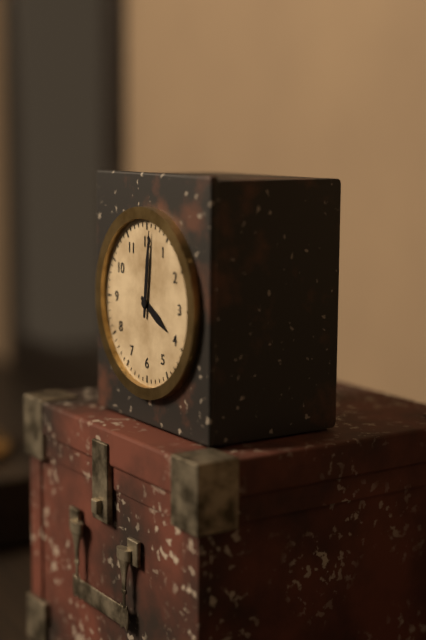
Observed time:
4:01
